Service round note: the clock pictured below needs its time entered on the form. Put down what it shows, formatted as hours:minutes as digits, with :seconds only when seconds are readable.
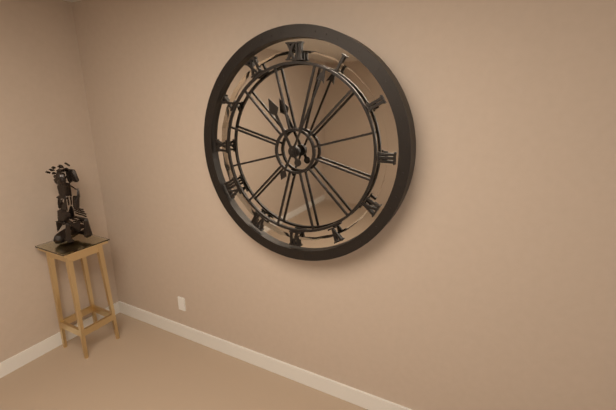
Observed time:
11:04
